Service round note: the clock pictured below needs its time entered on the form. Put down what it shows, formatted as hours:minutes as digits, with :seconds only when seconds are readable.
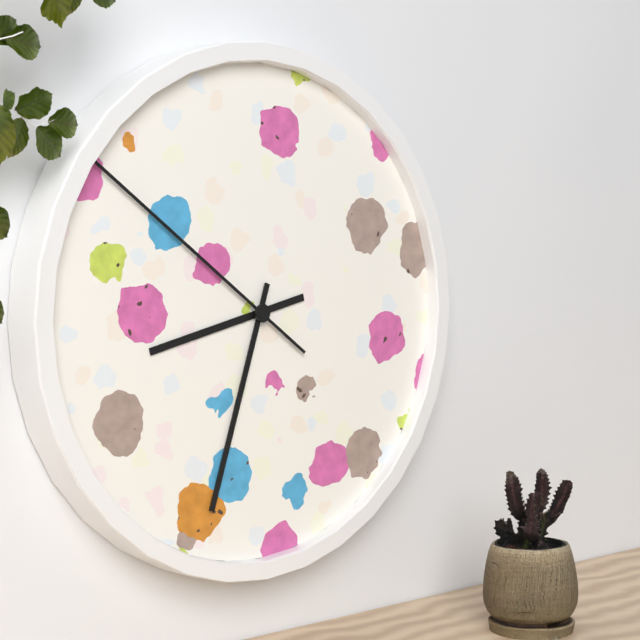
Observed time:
8:33:51
